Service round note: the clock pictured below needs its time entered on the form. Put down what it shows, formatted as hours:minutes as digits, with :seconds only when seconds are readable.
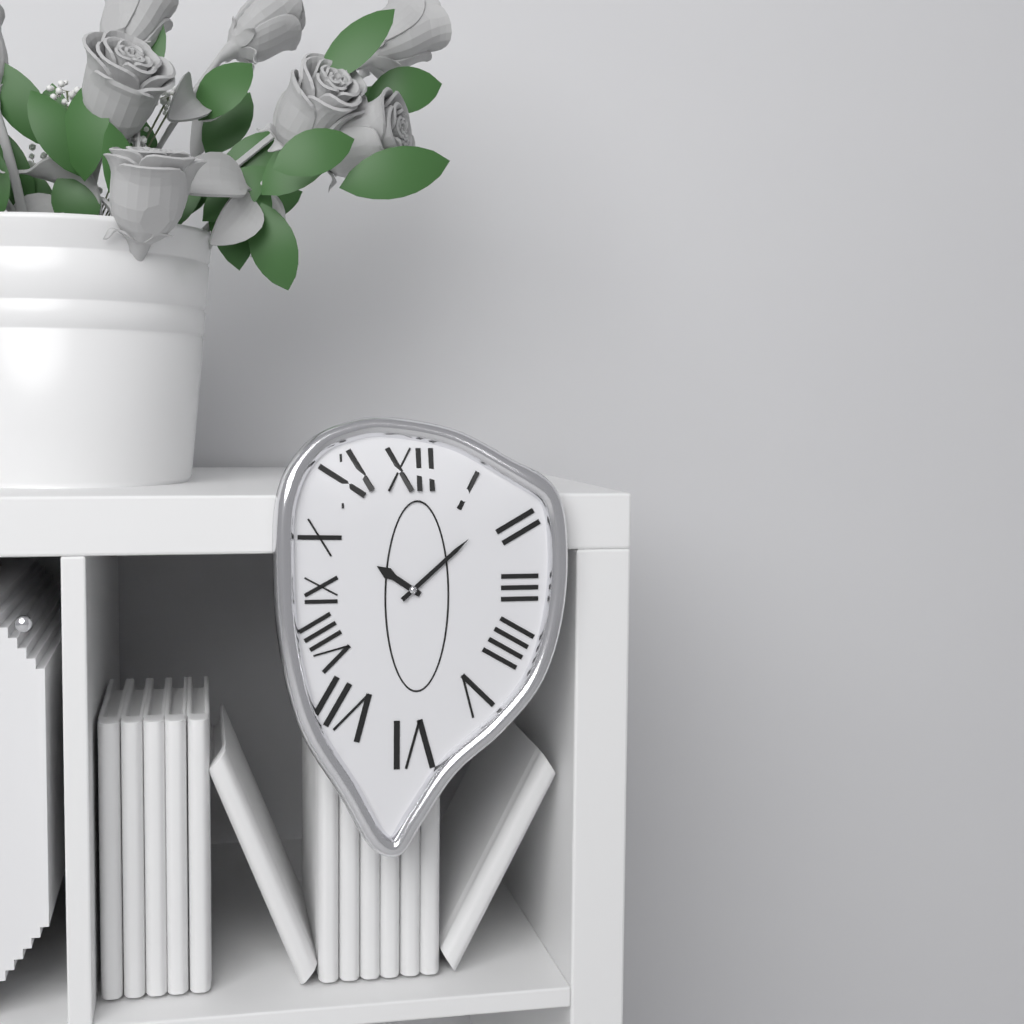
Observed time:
10:08
